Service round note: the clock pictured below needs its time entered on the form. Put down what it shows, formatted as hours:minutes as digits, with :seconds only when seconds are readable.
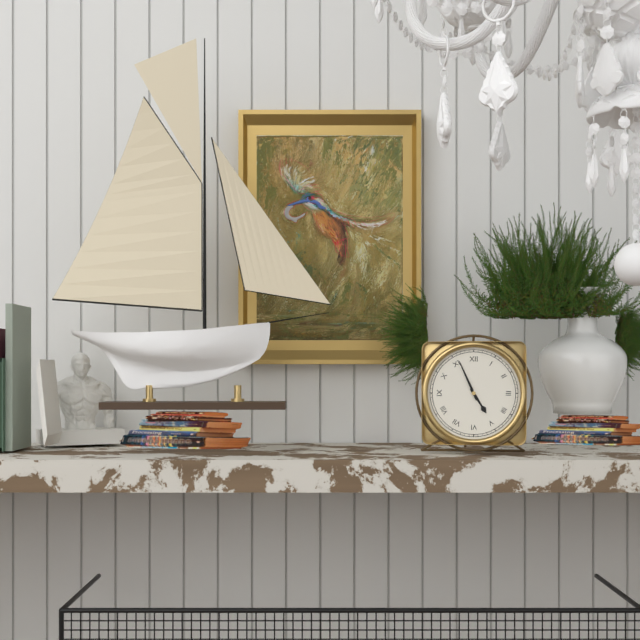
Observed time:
4:56
